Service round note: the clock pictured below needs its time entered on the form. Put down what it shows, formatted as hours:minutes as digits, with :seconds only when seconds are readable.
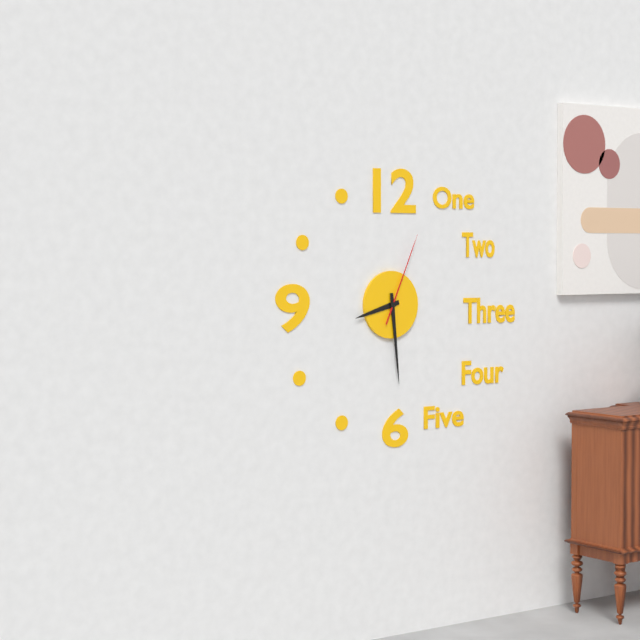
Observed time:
8:29:04
